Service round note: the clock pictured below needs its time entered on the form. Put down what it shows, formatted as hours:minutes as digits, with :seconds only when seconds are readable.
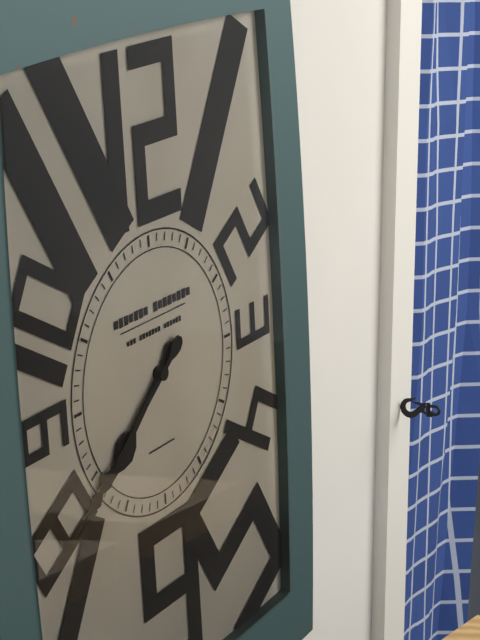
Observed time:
7:39
